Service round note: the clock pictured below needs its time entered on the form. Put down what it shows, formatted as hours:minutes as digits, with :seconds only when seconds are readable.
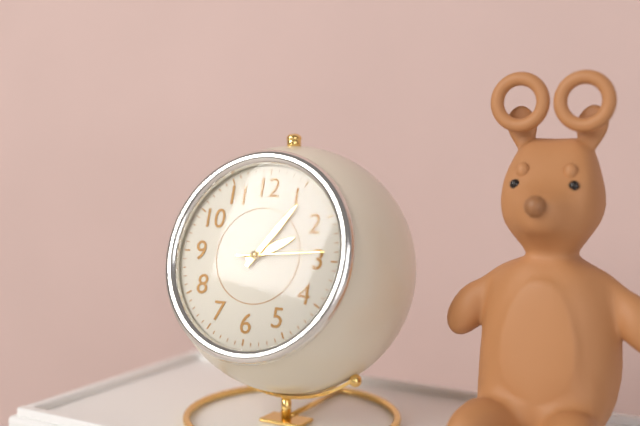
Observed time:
2:06:14
